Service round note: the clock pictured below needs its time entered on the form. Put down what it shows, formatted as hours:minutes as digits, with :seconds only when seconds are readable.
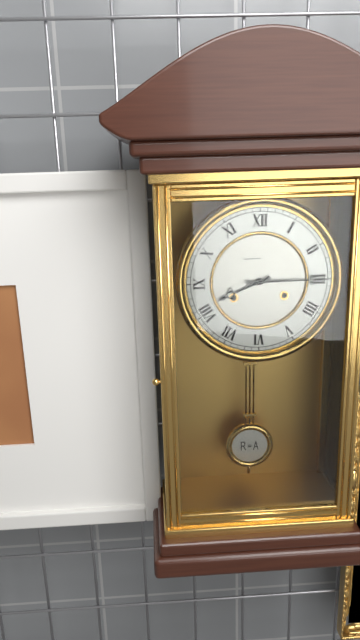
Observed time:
8:15
